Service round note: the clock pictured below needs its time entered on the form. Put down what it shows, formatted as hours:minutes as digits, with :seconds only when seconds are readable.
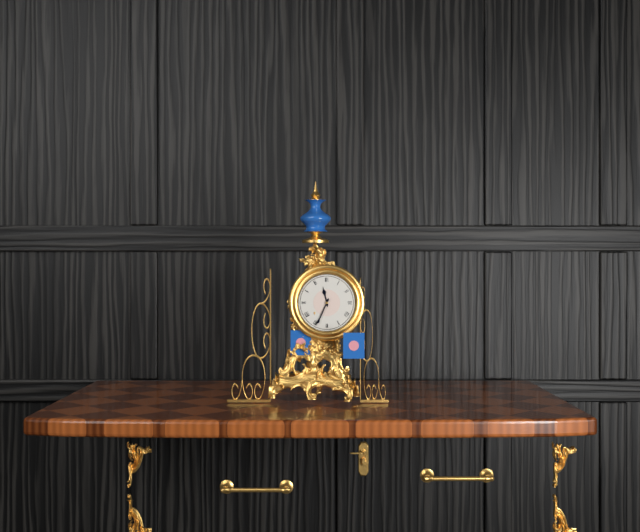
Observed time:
11:34
